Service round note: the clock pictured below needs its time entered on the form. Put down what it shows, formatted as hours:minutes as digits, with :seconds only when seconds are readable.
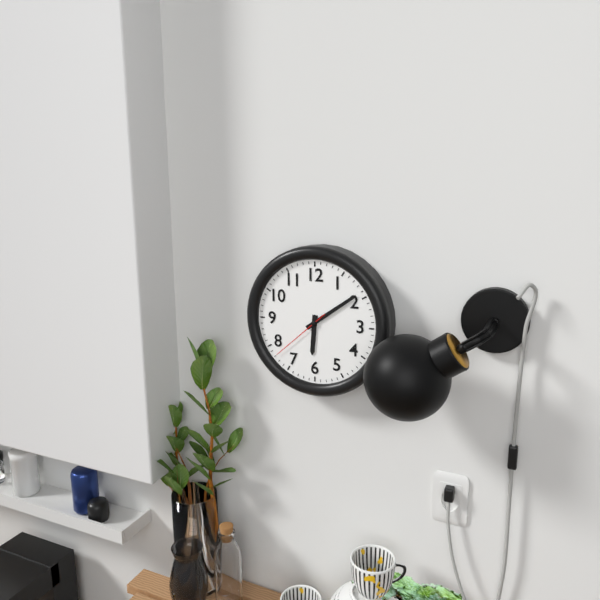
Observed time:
6:09:38
